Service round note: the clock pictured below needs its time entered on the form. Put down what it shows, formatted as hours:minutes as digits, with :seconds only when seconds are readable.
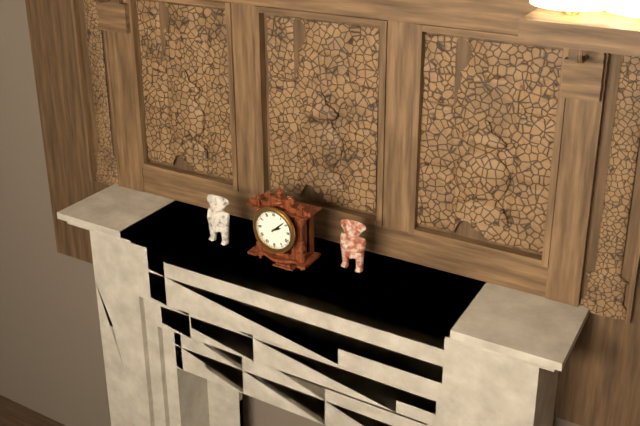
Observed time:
2:08
